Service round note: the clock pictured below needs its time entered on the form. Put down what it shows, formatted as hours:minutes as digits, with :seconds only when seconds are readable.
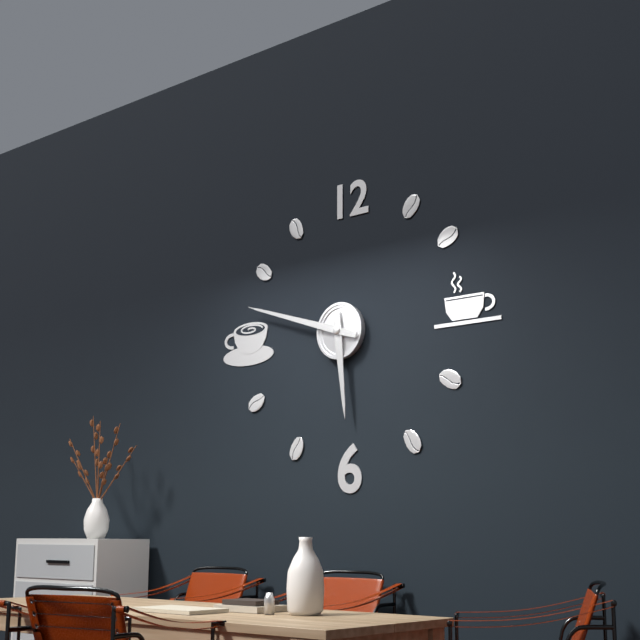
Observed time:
5:48
